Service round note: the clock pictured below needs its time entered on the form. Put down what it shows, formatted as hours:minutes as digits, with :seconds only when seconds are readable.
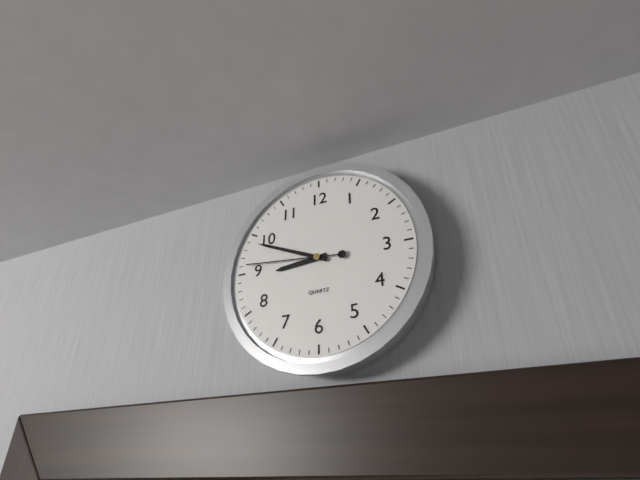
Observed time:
8:49:46
